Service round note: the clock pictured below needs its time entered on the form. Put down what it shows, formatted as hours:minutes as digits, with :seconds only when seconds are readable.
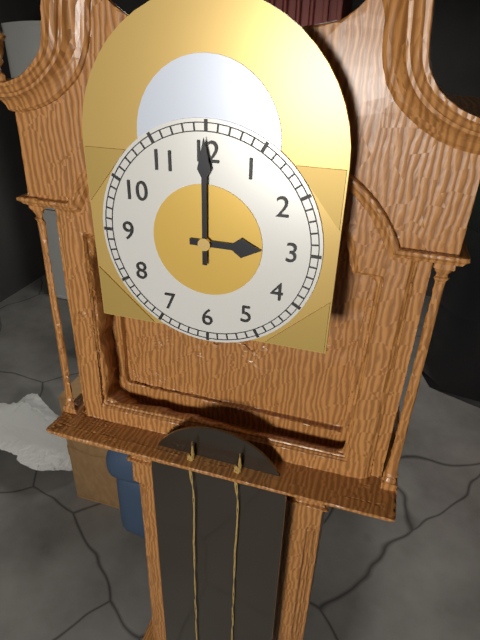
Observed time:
3:00
